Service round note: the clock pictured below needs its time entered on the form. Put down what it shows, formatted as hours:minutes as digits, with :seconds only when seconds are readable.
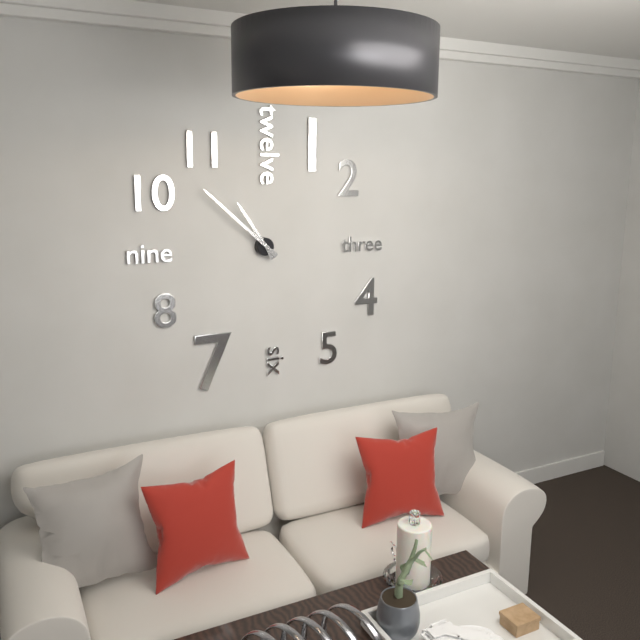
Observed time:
10:52
